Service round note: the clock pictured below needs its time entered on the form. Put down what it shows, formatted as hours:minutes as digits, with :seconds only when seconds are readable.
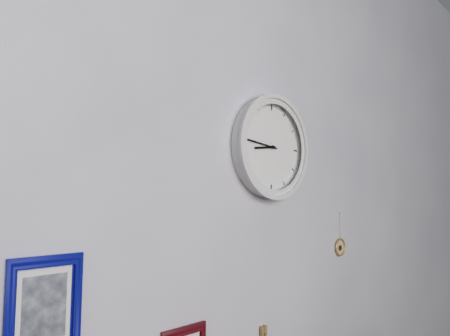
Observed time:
8:46
